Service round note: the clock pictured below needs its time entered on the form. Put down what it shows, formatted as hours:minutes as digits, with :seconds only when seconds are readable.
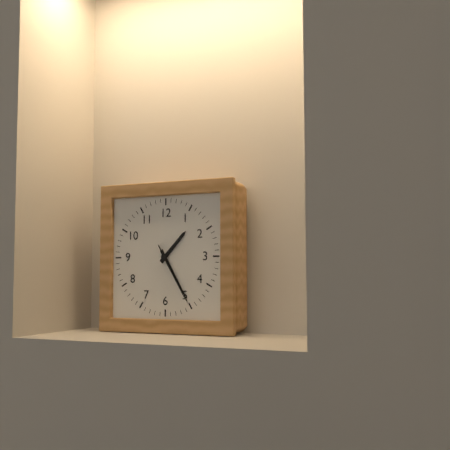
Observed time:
1:25:25
